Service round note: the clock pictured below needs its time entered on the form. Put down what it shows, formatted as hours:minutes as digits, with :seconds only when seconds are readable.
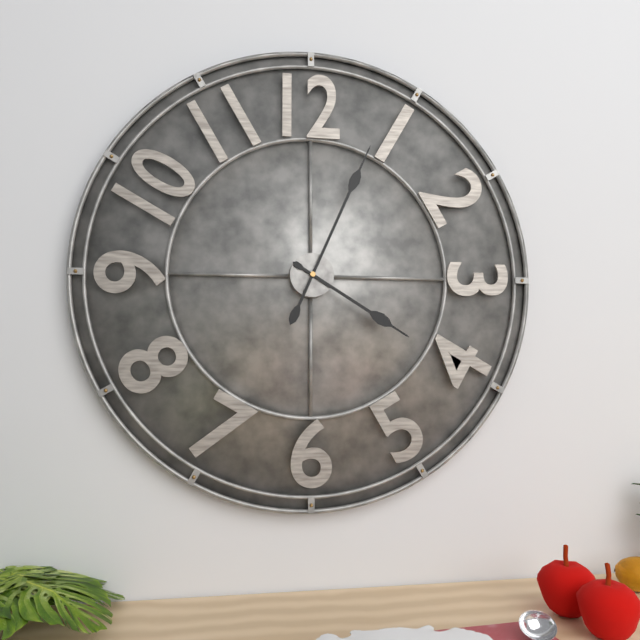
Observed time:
4:04
